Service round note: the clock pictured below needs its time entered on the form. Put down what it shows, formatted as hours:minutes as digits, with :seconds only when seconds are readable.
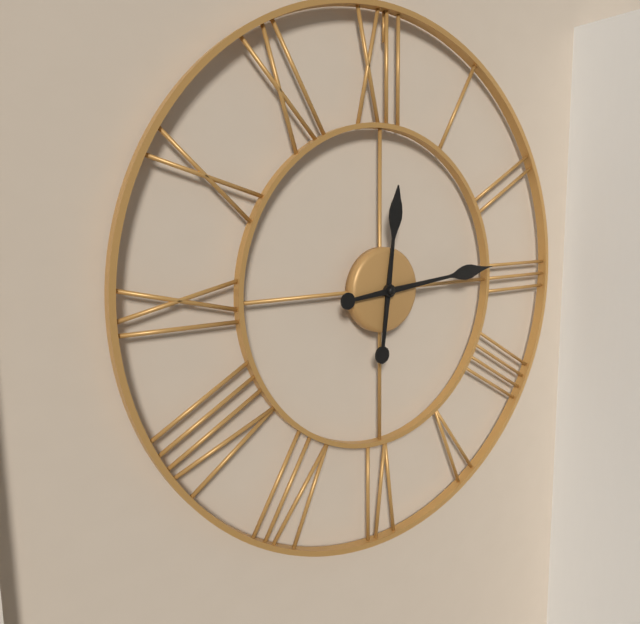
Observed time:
12:14
